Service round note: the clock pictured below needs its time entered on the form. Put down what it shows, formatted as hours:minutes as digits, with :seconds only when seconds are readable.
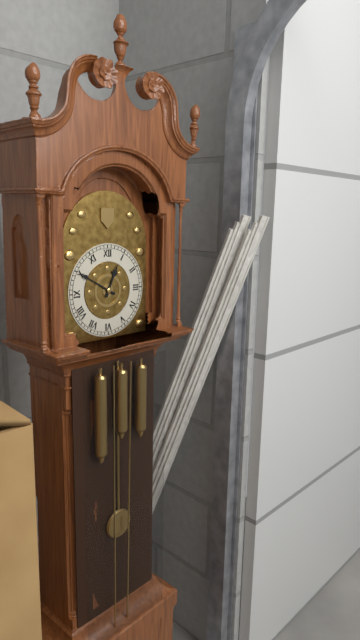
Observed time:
12:50
